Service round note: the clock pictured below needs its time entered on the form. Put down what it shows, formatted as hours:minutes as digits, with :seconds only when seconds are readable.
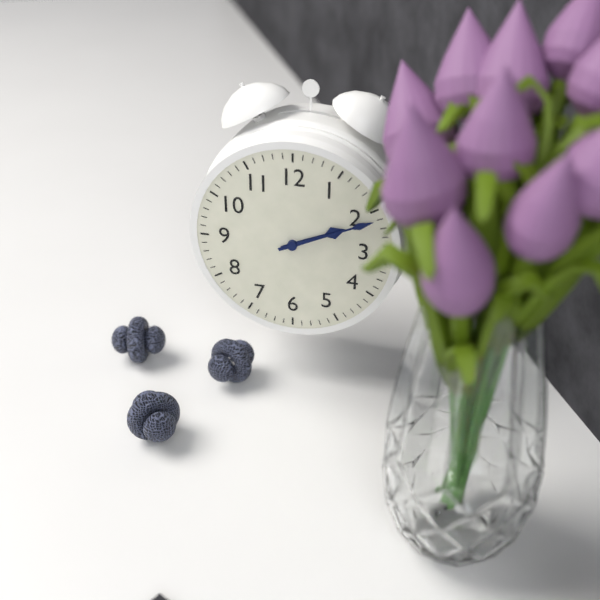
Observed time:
2:11
